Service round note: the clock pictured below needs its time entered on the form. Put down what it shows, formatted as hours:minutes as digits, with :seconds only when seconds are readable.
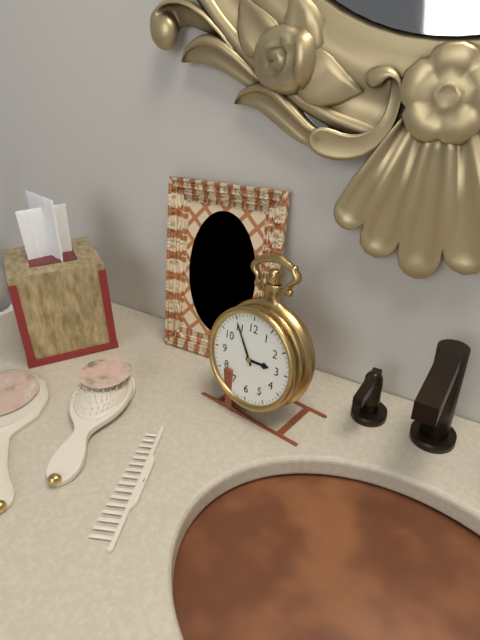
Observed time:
2:55
